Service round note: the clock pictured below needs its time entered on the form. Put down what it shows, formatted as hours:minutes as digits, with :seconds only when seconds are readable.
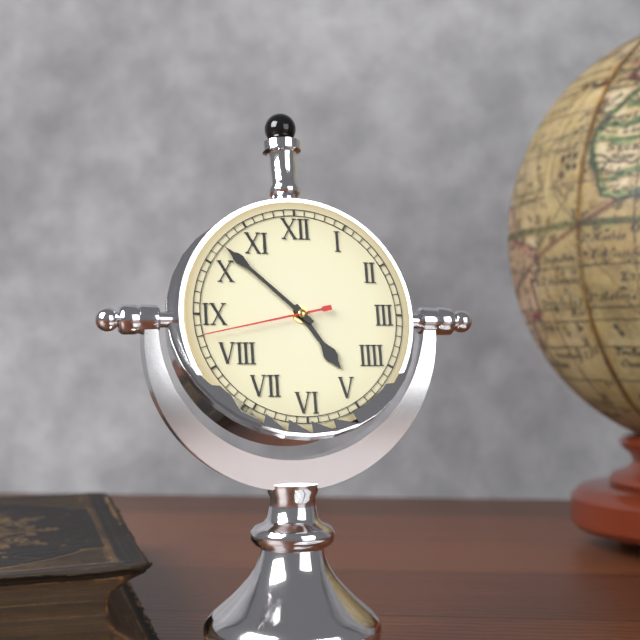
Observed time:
4:52:43
